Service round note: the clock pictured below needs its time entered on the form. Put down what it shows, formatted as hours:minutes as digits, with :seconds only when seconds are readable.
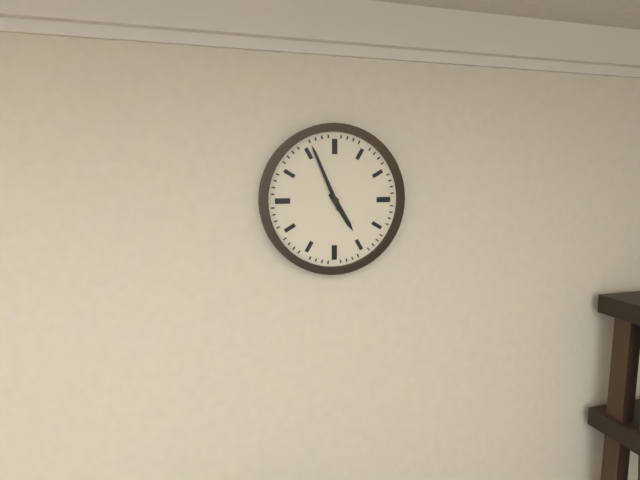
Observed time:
4:56
